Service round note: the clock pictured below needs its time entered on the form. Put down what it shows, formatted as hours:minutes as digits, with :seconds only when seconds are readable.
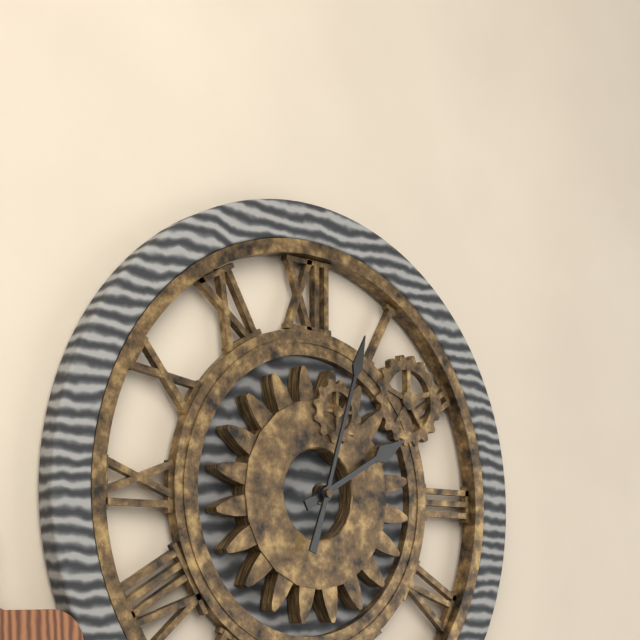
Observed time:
2:03
